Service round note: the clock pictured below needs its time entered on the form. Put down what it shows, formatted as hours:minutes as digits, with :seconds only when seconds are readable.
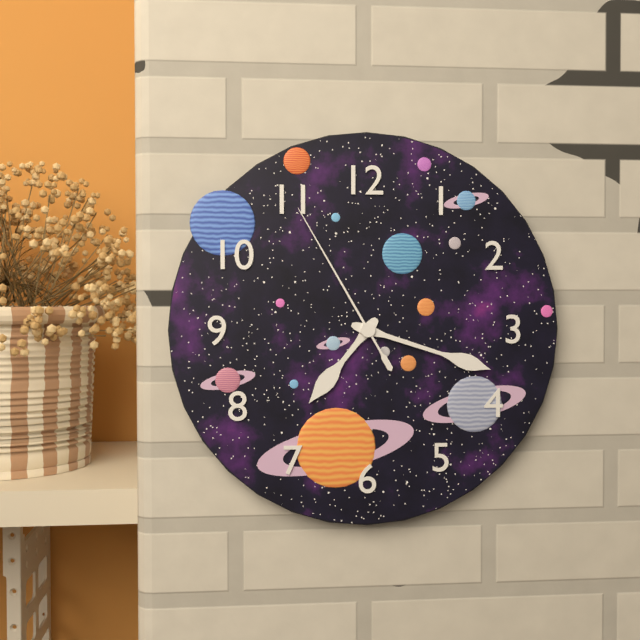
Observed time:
7:18:55
